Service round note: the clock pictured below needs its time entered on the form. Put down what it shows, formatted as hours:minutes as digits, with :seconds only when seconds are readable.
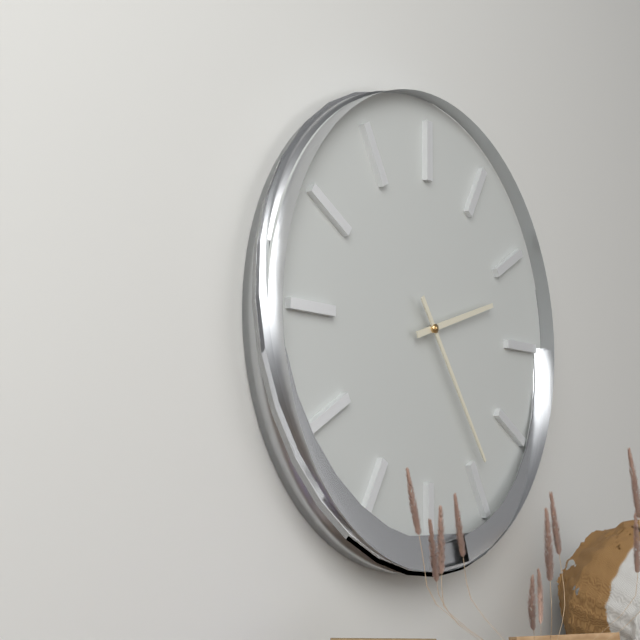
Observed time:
2:24
